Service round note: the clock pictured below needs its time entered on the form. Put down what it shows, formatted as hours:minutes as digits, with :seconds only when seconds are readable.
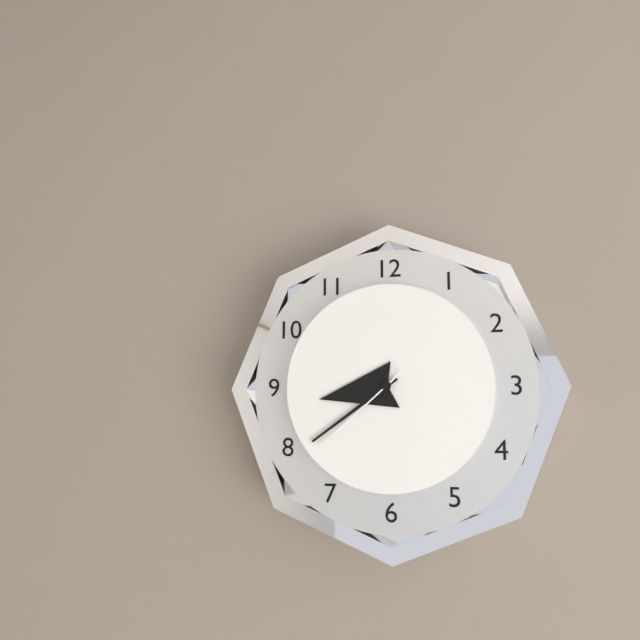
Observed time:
8:39:38
